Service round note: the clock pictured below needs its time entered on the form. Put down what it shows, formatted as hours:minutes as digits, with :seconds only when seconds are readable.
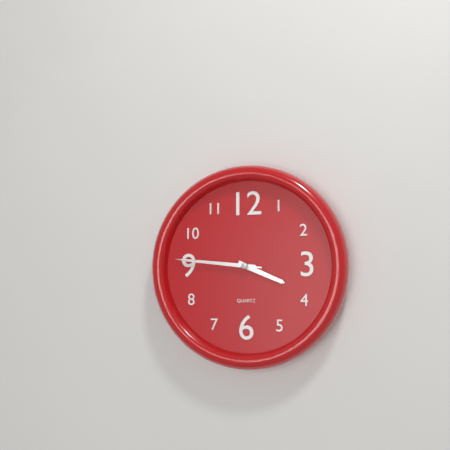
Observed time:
3:46:46
